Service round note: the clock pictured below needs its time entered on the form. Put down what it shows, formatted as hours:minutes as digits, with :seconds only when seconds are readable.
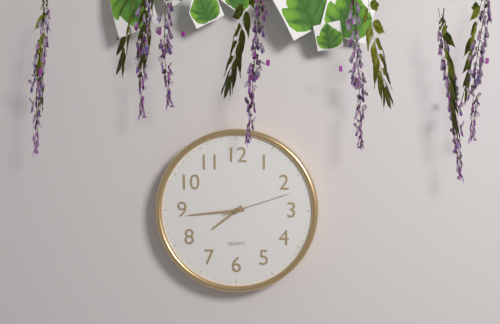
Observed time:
7:44:12
